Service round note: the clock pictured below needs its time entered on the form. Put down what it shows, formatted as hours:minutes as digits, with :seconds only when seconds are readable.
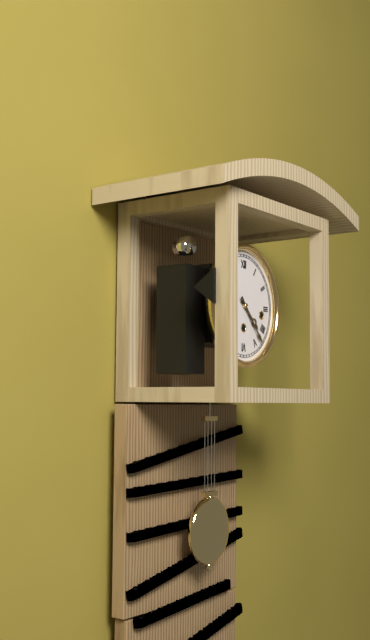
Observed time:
4:23
